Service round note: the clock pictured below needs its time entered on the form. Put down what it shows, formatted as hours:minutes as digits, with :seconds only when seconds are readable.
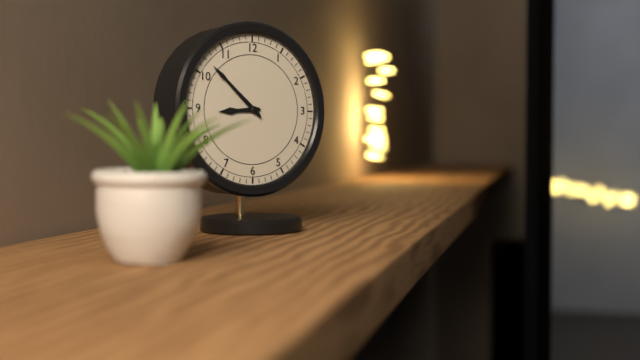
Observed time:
8:52
